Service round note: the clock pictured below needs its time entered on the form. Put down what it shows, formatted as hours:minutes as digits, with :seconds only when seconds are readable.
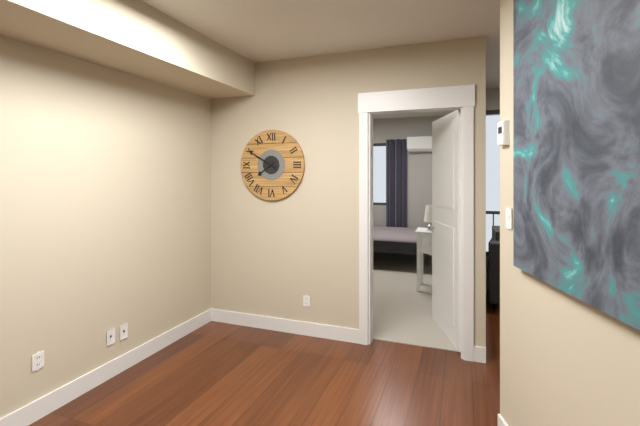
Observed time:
7:50
